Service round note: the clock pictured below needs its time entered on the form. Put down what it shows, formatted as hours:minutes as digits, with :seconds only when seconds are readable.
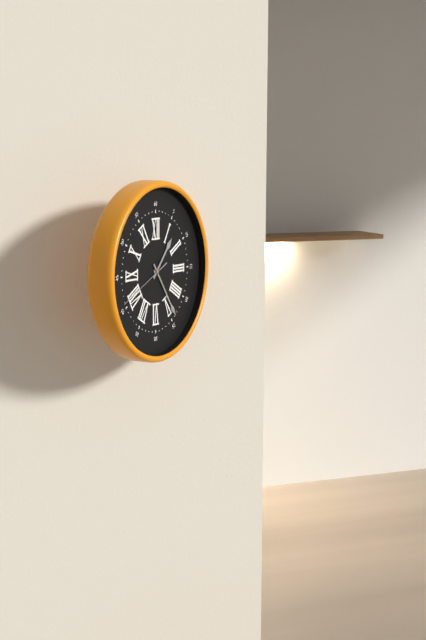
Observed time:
1:24
